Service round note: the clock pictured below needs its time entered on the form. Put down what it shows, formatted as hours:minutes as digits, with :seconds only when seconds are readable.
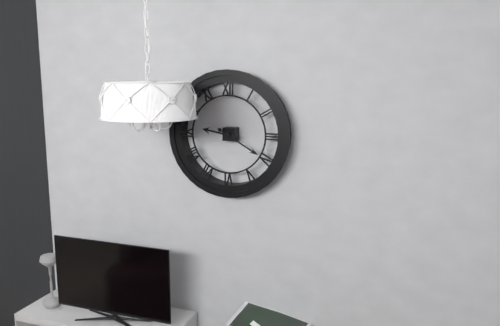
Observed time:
9:20
